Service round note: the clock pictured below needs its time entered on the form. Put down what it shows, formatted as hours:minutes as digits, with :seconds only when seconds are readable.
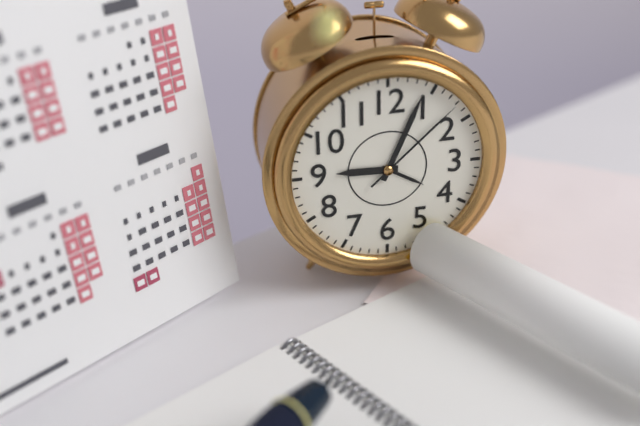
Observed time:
9:04:08
